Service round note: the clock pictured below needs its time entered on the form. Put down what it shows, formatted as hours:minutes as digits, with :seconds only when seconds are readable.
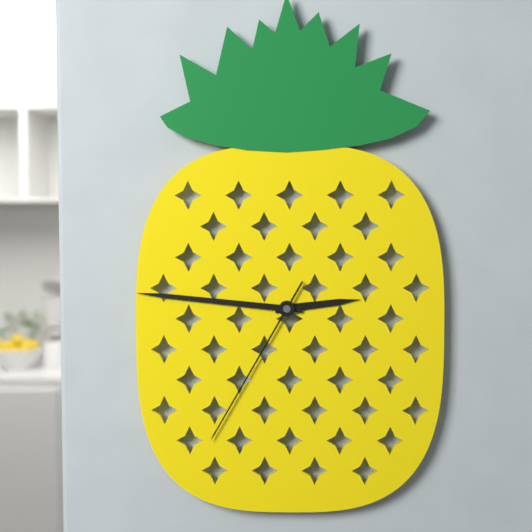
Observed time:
2:46:35
